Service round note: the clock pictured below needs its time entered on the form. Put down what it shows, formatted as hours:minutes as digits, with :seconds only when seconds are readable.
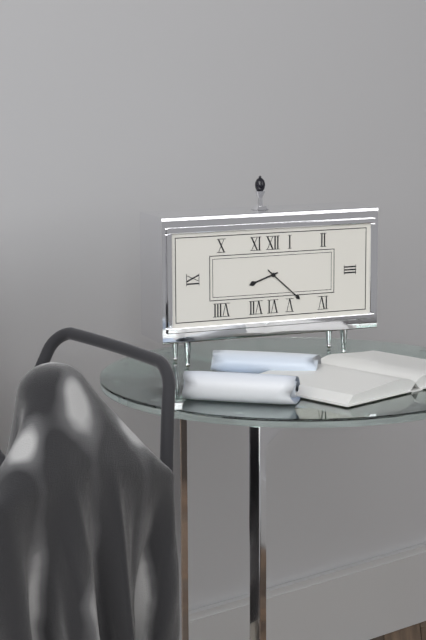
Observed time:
8:22
